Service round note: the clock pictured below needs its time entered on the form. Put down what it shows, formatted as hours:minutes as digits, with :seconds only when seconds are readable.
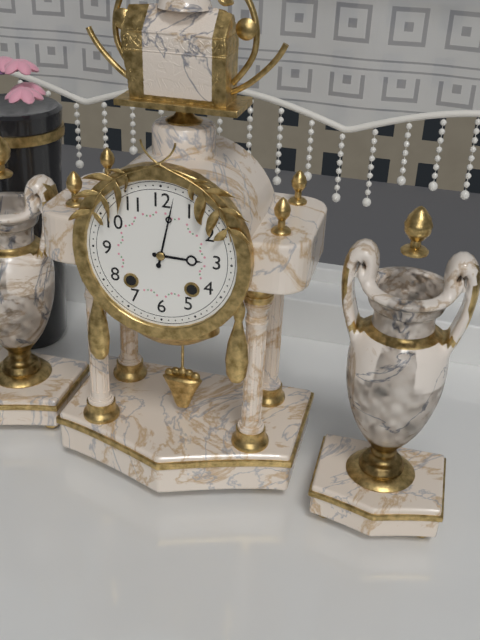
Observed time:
3:02
